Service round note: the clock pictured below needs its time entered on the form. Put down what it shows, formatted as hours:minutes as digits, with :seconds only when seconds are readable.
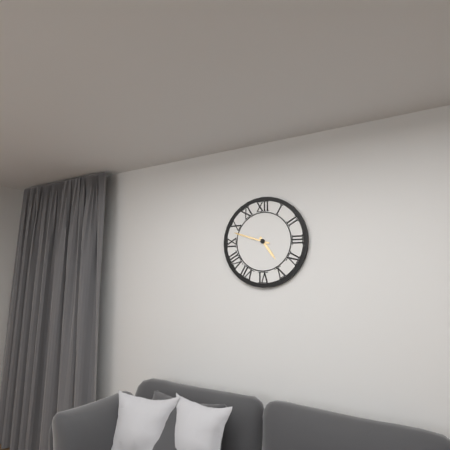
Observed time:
4:48
